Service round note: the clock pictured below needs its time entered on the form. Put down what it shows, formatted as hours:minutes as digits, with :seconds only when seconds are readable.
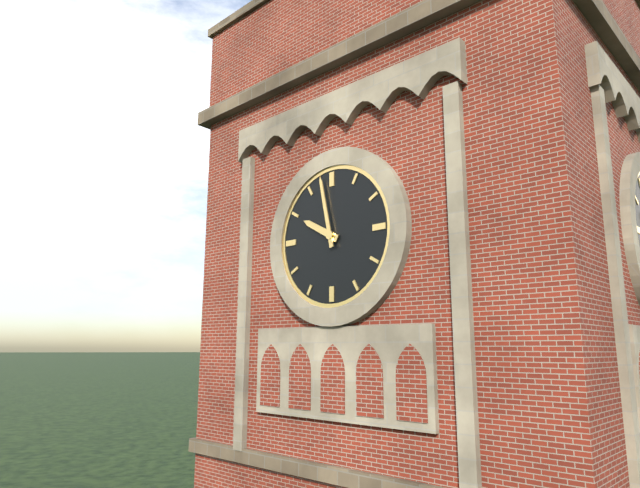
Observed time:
9:58
